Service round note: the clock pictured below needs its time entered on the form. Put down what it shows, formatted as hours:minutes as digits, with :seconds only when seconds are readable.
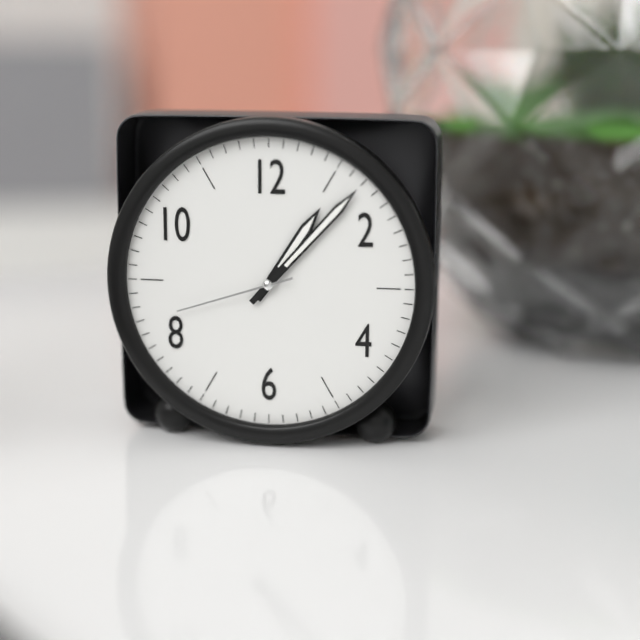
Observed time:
1:07:42
